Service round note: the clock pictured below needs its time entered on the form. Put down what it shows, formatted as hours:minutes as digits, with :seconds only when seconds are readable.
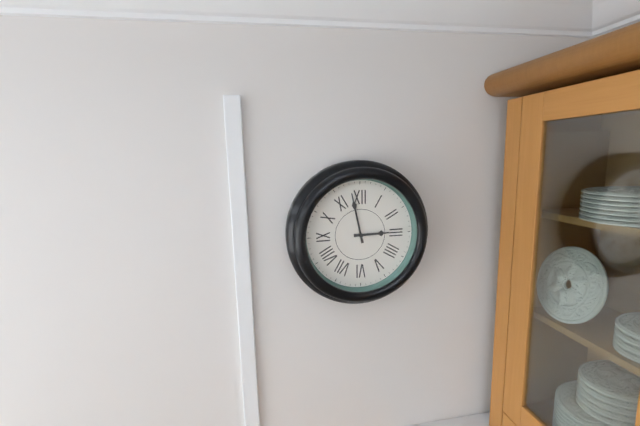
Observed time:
2:58
